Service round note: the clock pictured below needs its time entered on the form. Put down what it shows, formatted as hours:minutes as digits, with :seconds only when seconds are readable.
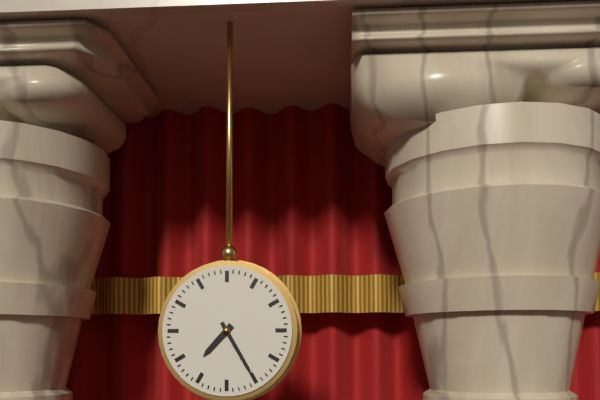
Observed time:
7:25
